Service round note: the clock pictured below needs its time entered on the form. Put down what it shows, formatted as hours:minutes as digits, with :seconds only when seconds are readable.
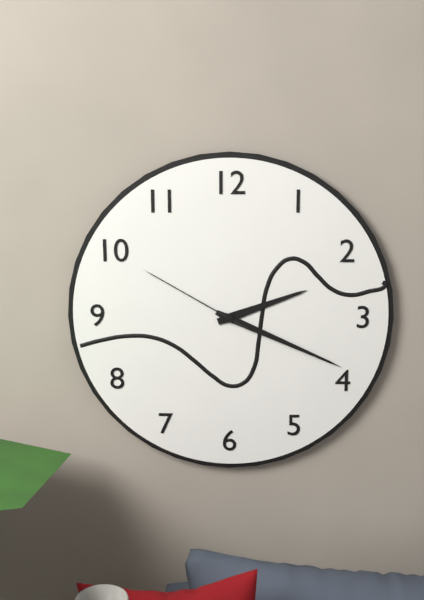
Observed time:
2:19:50
